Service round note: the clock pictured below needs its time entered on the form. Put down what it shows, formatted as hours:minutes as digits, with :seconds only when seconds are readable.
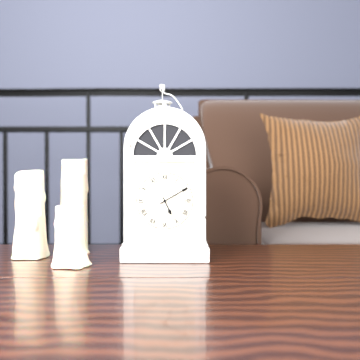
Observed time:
5:10
